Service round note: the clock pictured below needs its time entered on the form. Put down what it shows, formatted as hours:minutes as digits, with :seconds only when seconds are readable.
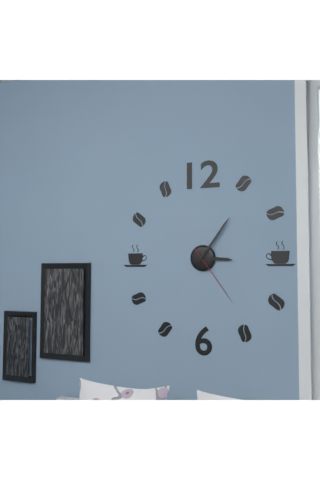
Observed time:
3:06:24
